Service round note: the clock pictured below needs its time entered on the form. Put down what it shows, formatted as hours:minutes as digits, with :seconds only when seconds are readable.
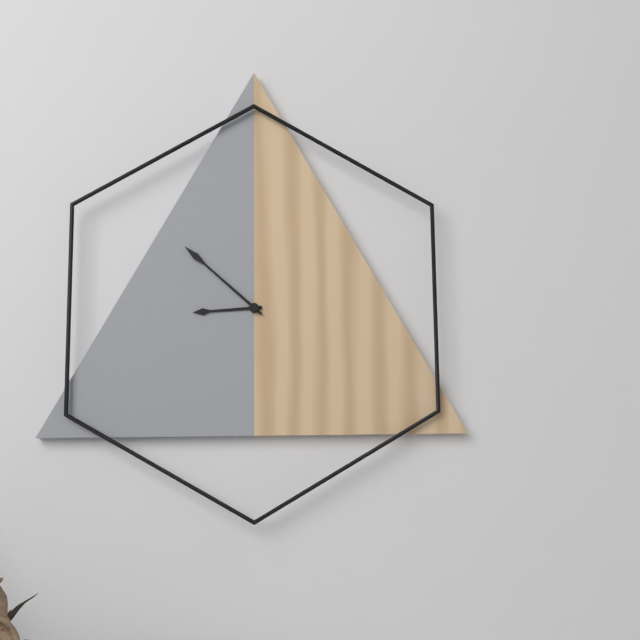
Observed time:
8:52
